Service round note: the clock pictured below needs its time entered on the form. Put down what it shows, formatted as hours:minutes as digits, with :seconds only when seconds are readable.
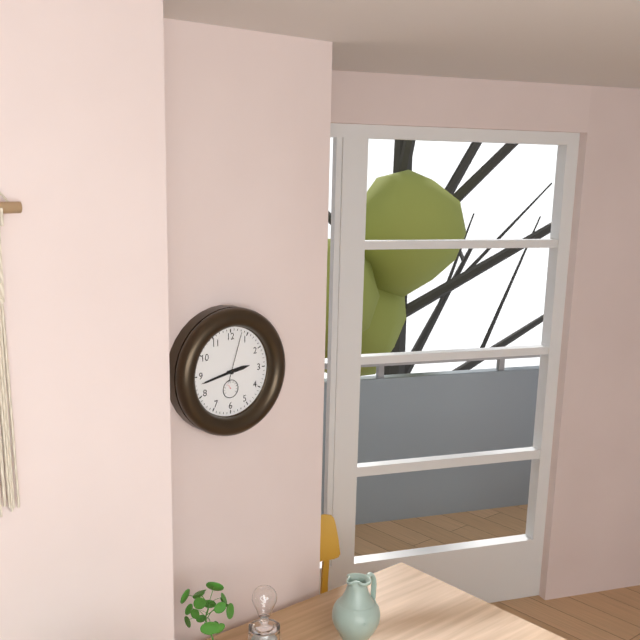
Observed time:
2:43:03
